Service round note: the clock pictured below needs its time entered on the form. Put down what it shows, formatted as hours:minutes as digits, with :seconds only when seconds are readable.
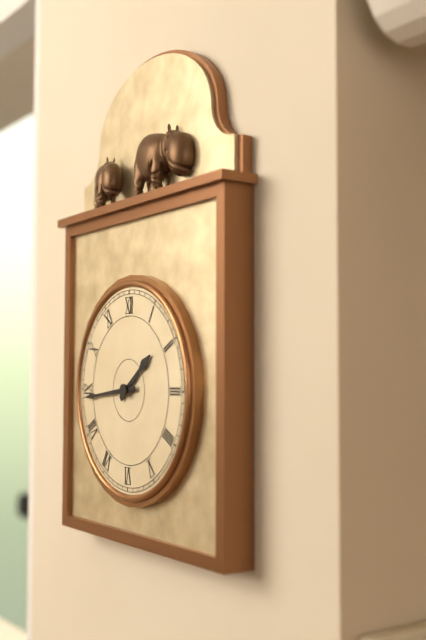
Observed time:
1:44
